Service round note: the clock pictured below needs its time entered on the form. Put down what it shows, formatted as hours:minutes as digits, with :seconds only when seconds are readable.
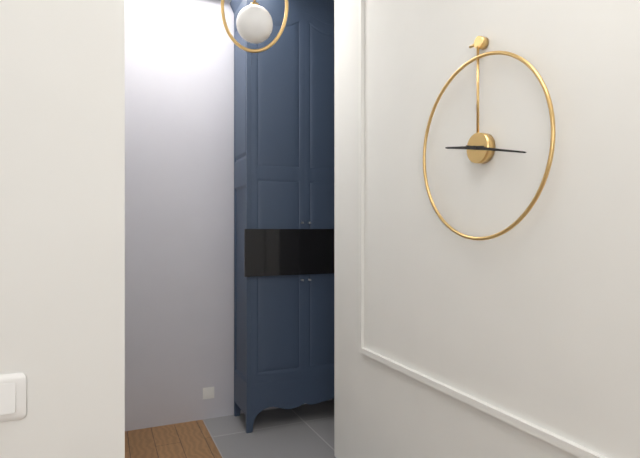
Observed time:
9:17
